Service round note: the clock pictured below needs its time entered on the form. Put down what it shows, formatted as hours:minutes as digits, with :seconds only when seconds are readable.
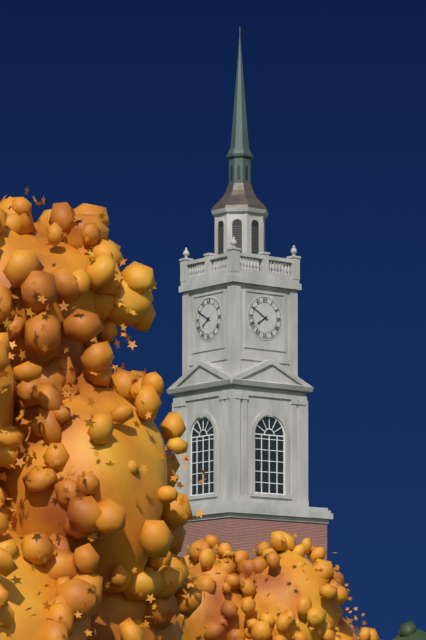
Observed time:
7:50
